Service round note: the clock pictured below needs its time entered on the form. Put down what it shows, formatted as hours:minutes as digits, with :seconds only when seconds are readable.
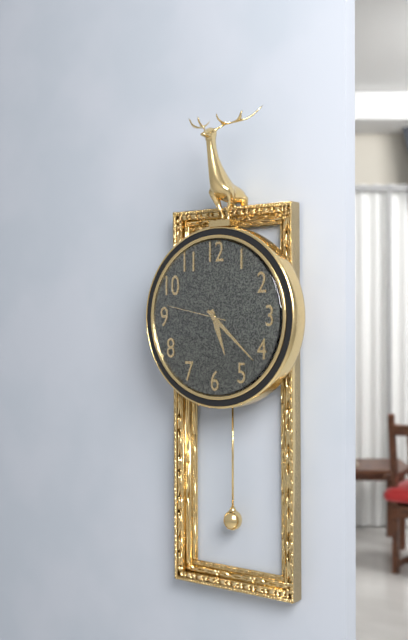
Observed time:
5:22:47
